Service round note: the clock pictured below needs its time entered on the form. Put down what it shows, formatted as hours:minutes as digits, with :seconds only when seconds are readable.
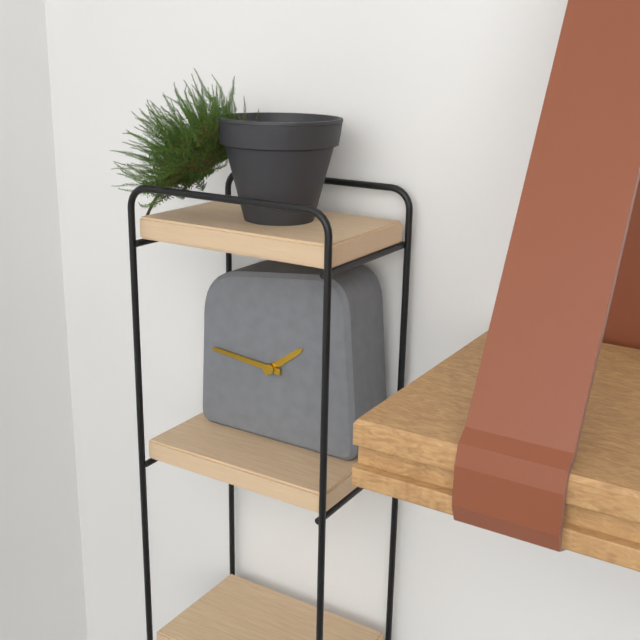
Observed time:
1:46
